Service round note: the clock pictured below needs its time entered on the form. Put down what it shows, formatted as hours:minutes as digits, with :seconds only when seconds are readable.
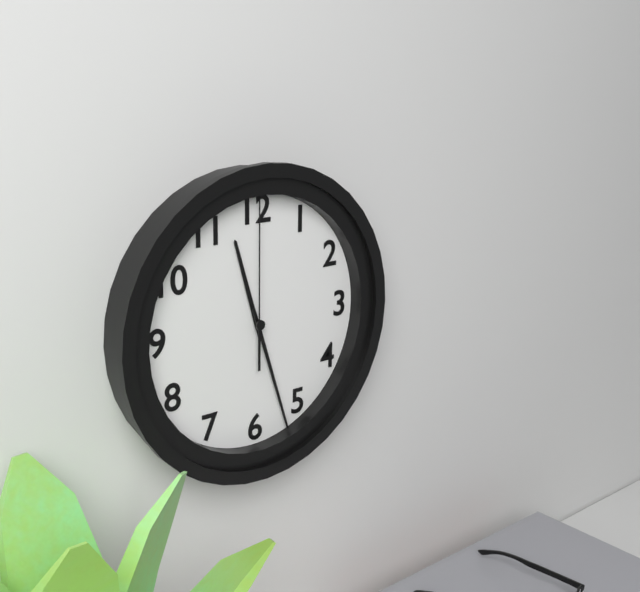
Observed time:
11:27:00
